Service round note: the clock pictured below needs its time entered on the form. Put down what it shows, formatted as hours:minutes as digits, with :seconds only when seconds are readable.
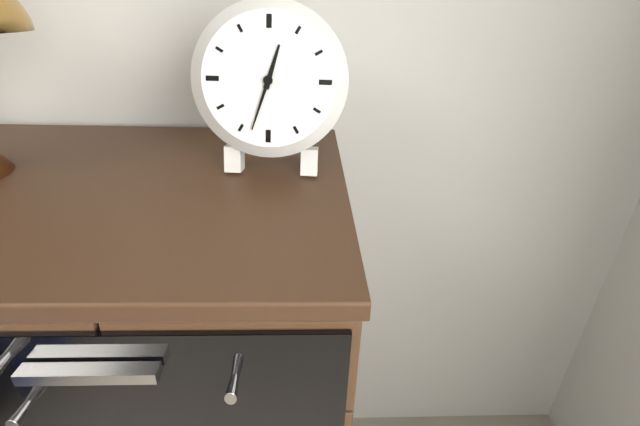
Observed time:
12:33
